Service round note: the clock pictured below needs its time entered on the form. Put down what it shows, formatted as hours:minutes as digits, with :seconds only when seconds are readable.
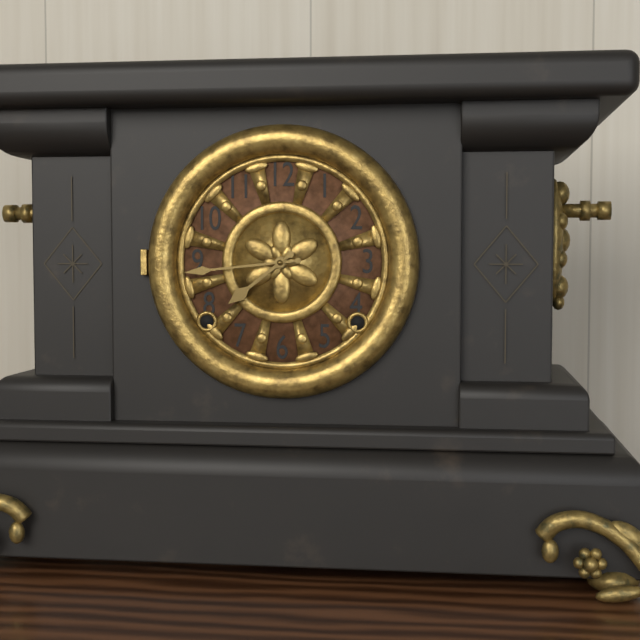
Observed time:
7:44
